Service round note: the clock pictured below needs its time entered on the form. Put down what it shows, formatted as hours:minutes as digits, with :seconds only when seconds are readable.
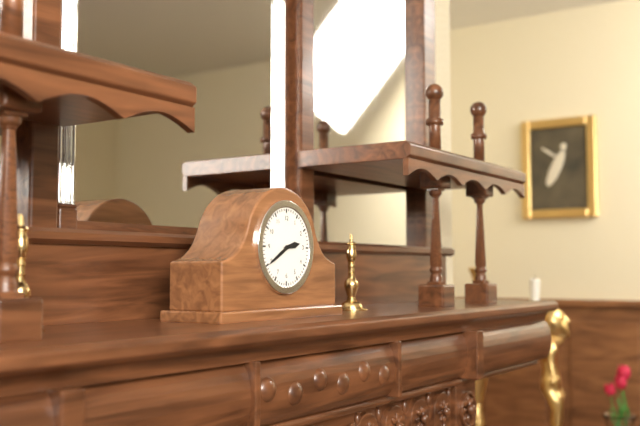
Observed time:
2:40
